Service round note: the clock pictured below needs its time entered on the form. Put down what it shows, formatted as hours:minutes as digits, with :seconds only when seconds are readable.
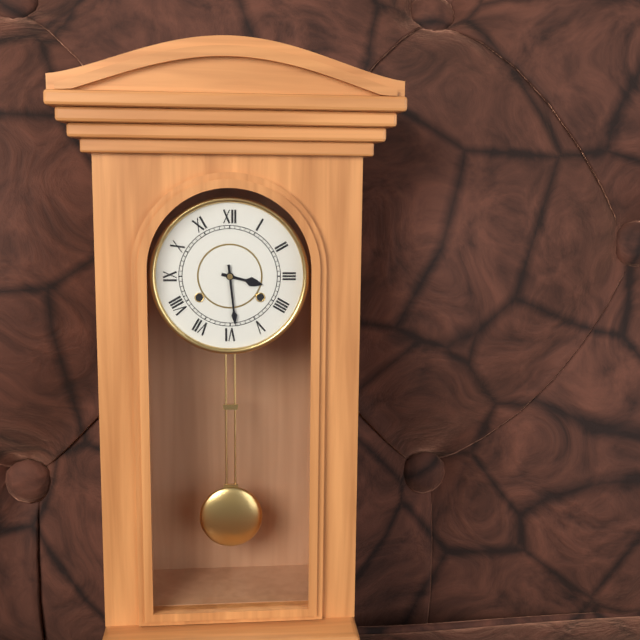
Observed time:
3:29
